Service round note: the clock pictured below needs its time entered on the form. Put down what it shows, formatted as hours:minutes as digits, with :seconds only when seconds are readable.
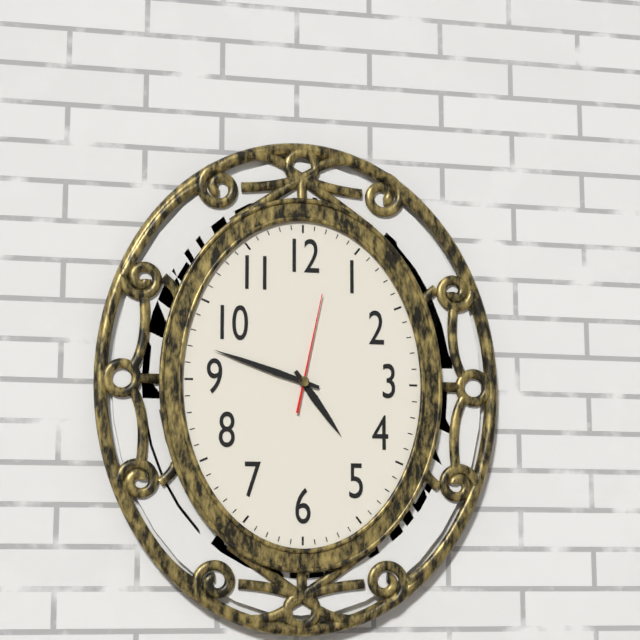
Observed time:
4:48:02
